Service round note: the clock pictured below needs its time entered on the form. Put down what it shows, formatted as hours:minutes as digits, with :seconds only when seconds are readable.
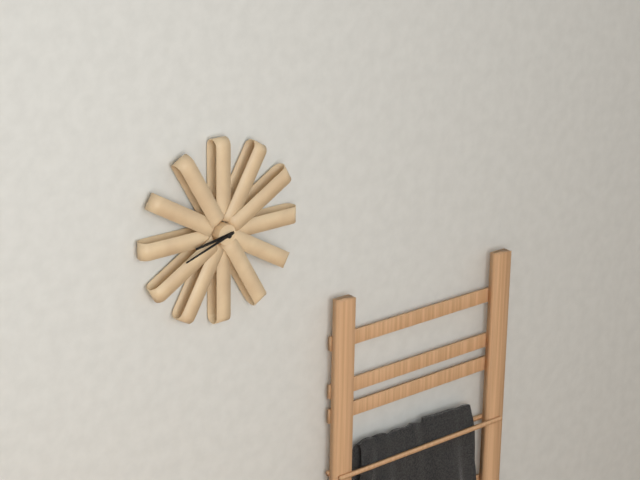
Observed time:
8:42
